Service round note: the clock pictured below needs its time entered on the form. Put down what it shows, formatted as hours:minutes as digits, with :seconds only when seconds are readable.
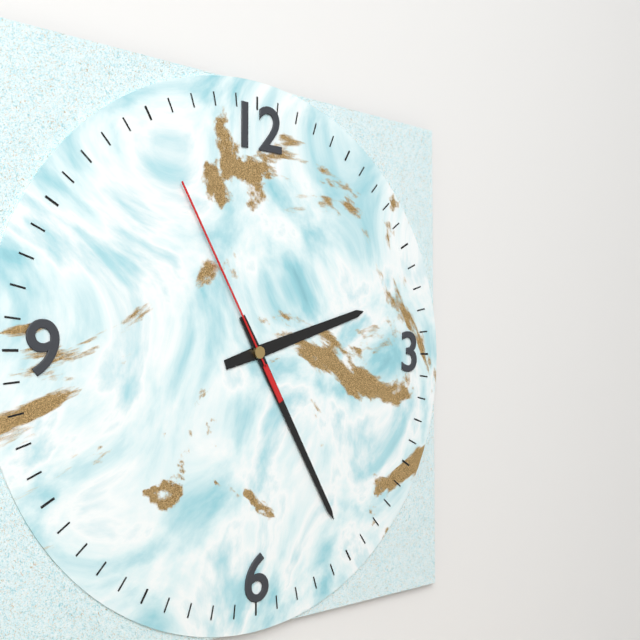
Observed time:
2:25:55
